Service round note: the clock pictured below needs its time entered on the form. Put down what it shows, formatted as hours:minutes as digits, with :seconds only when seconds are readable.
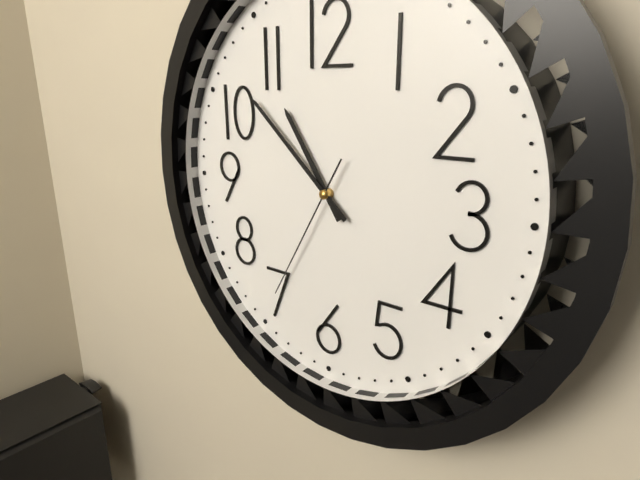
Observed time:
10:52:35
